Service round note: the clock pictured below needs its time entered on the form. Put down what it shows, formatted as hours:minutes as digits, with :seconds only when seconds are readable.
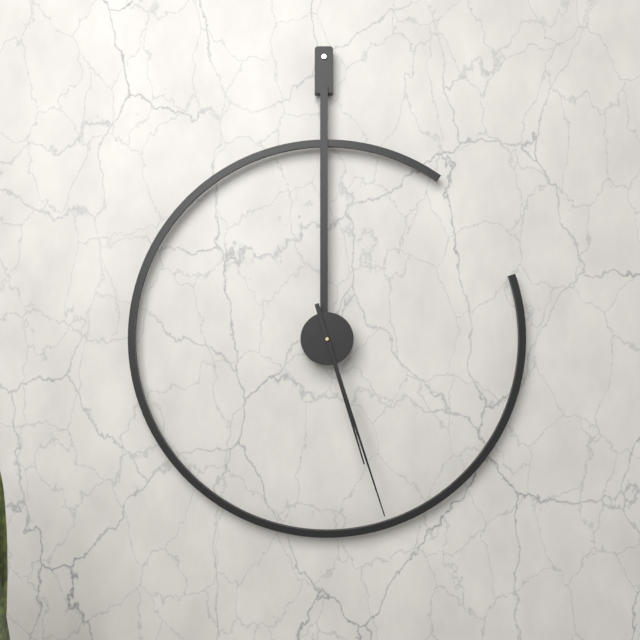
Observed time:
5:27
